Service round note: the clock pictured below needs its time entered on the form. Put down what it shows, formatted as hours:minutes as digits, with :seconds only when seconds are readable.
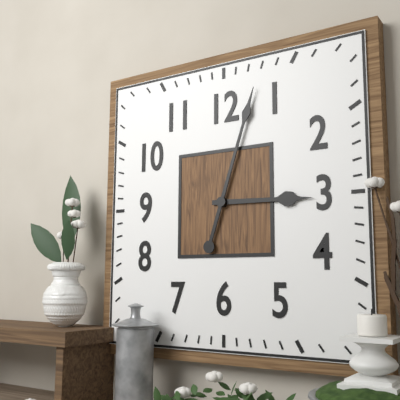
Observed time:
3:03
